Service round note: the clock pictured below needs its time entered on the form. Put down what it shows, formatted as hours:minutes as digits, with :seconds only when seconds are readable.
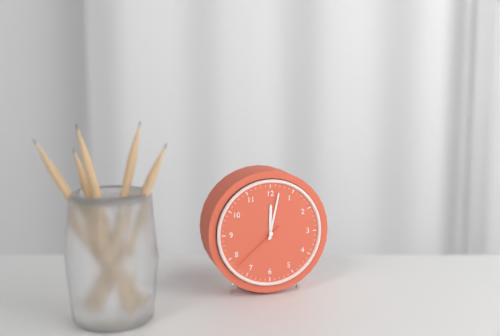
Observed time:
12:02:38
